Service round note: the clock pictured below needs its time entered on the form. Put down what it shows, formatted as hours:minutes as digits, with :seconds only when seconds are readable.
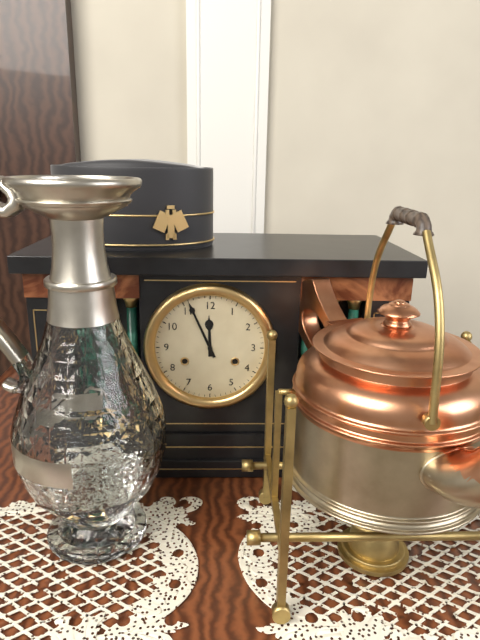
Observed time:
11:56
